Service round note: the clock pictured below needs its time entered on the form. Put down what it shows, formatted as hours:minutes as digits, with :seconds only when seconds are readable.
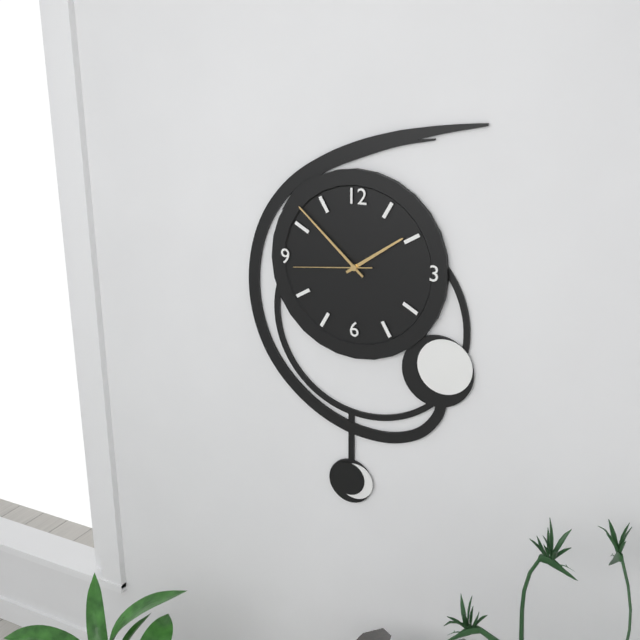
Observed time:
1:52:44
